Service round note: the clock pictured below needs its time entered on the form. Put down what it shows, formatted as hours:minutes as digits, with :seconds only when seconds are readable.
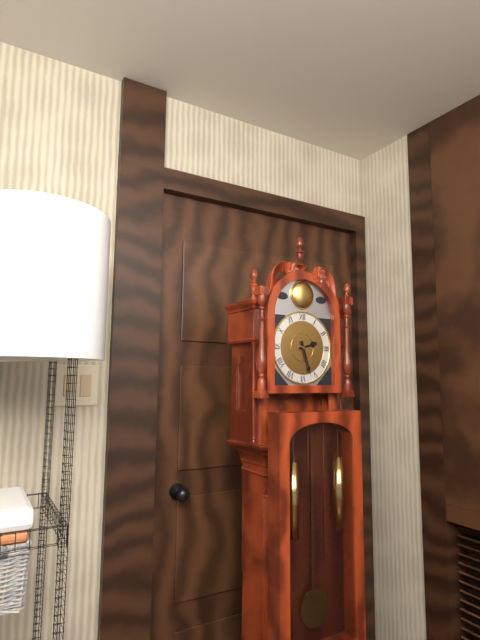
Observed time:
2:27
